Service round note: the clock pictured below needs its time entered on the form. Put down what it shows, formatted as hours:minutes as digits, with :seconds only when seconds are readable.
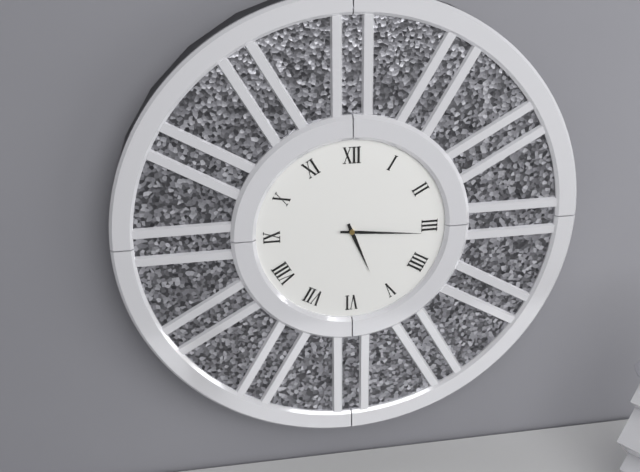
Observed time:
5:16
